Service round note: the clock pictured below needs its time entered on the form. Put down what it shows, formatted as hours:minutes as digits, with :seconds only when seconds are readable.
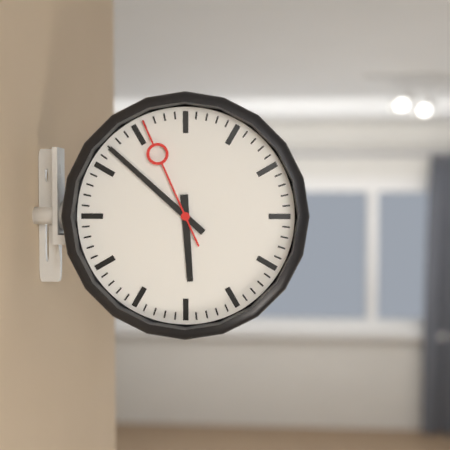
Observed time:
5:52:56
